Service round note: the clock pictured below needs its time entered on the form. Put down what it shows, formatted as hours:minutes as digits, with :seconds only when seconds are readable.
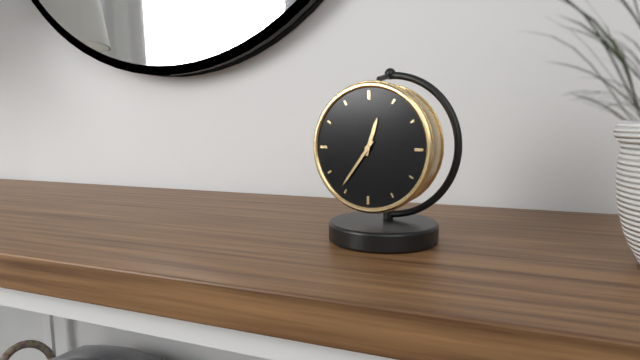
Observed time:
12:36
